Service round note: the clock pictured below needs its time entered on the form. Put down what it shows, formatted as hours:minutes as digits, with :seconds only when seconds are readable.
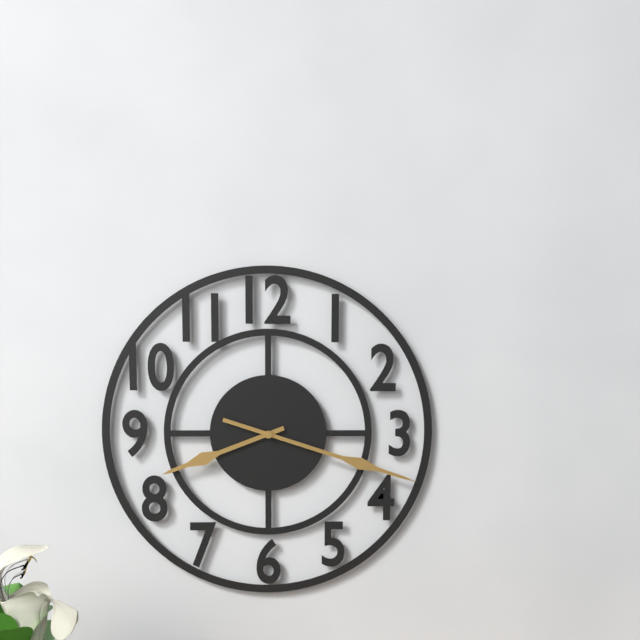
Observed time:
8:18
